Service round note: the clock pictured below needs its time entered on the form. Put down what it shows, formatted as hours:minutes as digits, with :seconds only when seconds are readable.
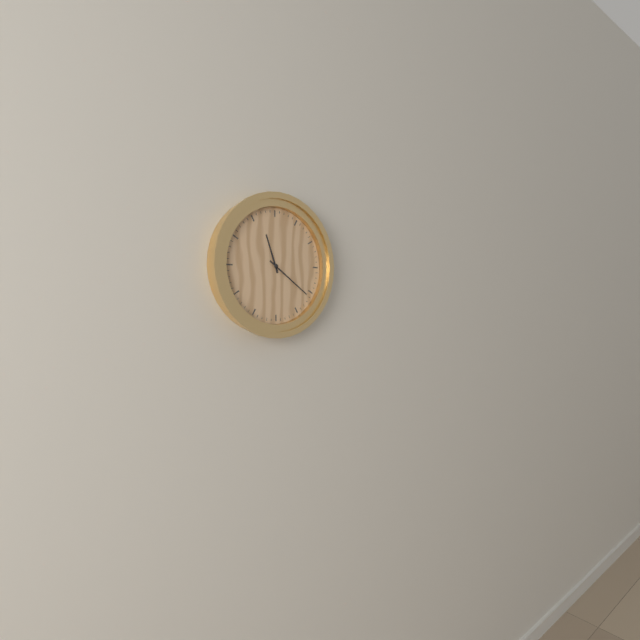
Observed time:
11:21
